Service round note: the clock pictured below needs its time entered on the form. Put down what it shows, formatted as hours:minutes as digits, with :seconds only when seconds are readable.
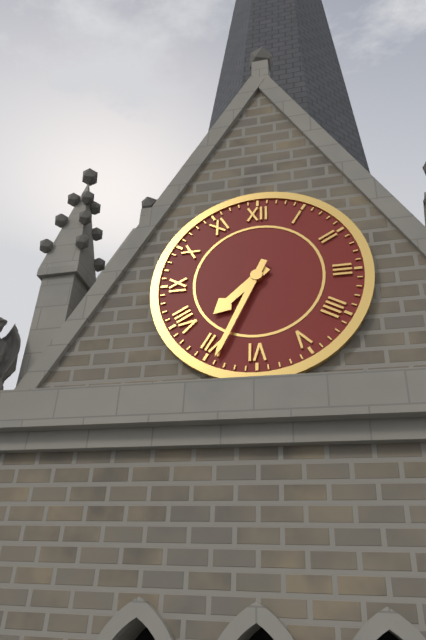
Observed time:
7:34
